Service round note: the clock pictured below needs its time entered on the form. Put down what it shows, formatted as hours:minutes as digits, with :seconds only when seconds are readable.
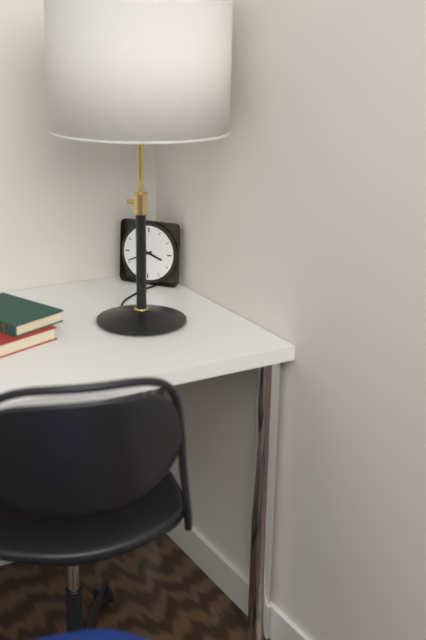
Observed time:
3:41
